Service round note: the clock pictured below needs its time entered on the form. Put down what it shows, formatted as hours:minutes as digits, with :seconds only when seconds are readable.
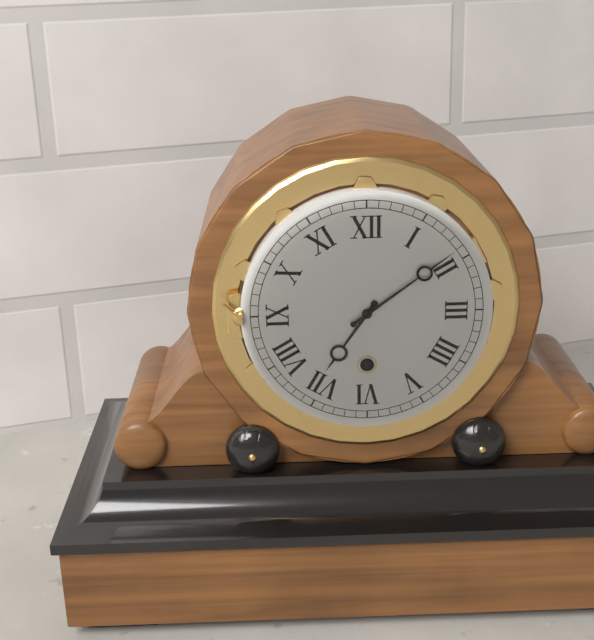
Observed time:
7:09
